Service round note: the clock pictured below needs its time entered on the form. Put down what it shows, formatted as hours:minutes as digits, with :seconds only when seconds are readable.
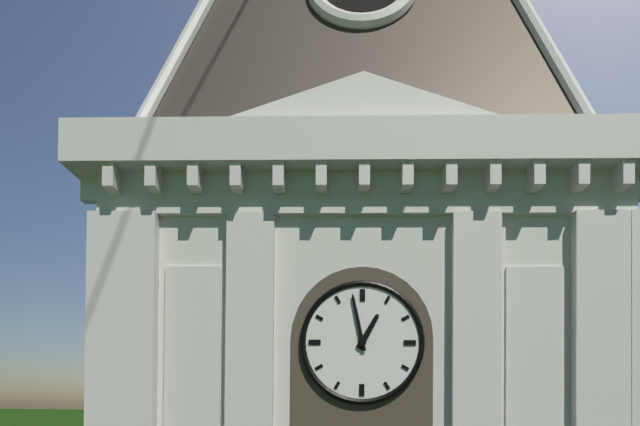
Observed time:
12:58
